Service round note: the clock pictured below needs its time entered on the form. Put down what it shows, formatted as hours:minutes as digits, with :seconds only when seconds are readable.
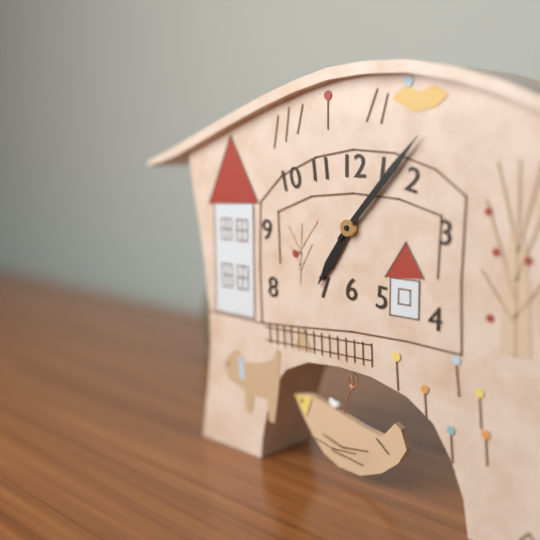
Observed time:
7:07
